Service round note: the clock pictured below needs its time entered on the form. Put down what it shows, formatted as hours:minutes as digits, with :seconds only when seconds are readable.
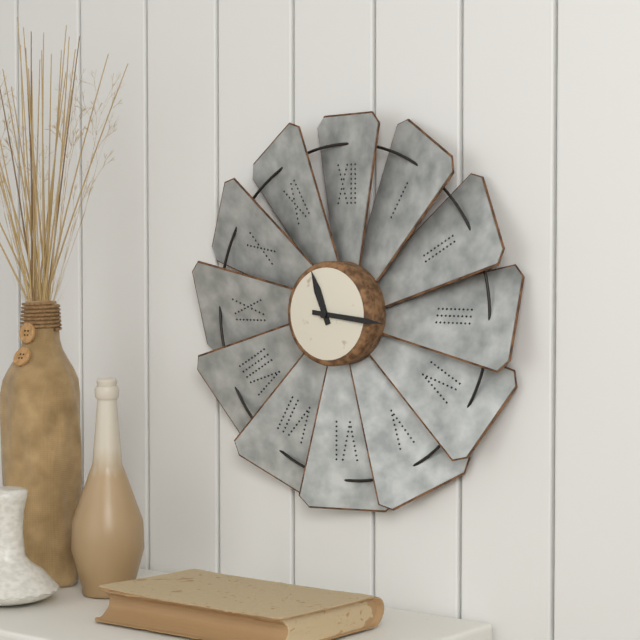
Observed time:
11:16
